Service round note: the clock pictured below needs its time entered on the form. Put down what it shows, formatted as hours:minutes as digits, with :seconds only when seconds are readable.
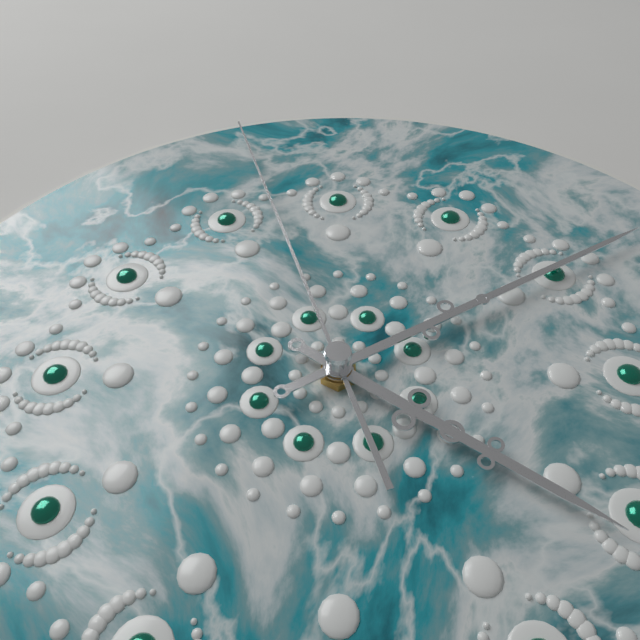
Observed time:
4:10:57
